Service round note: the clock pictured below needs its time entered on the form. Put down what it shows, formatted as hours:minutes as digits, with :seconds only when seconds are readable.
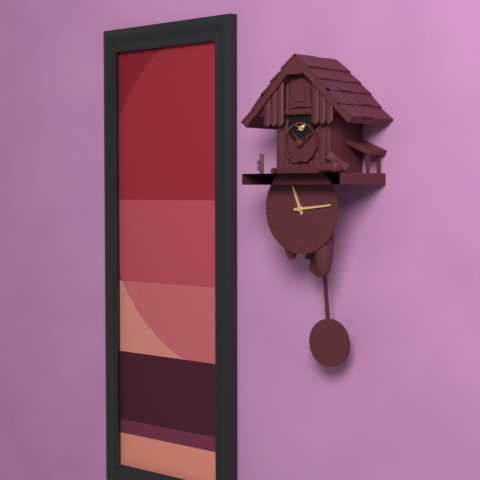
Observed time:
11:14
